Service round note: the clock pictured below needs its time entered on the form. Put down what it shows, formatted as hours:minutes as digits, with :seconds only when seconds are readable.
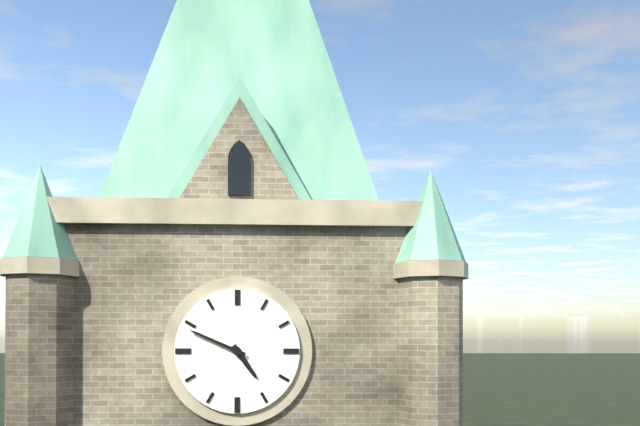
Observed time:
4:49
